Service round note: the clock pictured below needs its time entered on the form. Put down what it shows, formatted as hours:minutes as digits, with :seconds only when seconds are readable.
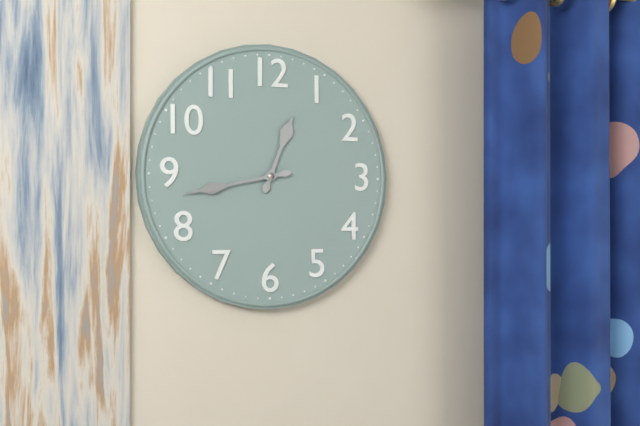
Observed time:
12:43
